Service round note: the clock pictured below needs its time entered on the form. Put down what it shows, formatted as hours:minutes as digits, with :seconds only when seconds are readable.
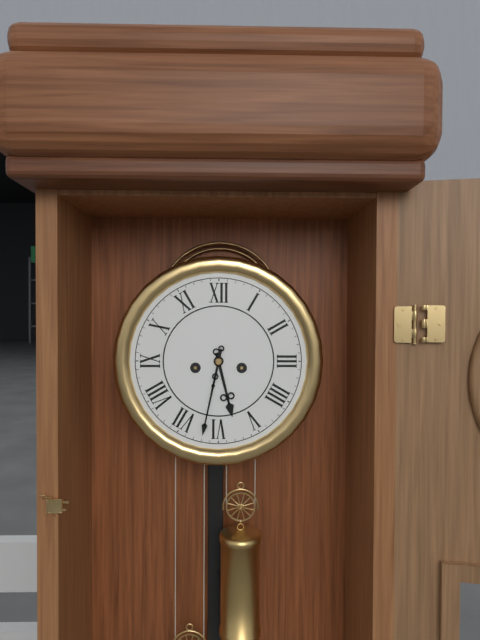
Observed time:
5:32
